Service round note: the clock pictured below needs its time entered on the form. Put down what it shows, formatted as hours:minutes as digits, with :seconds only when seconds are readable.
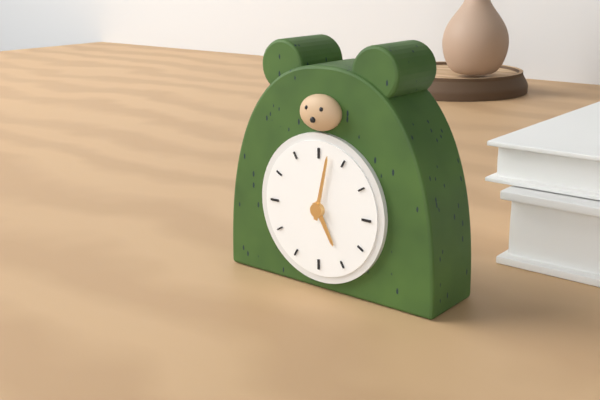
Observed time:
5:02
